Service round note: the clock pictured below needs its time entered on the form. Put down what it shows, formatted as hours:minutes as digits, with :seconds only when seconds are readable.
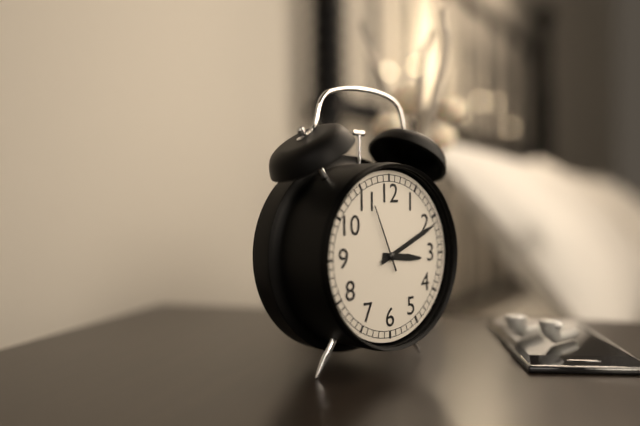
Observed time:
3:11:56
